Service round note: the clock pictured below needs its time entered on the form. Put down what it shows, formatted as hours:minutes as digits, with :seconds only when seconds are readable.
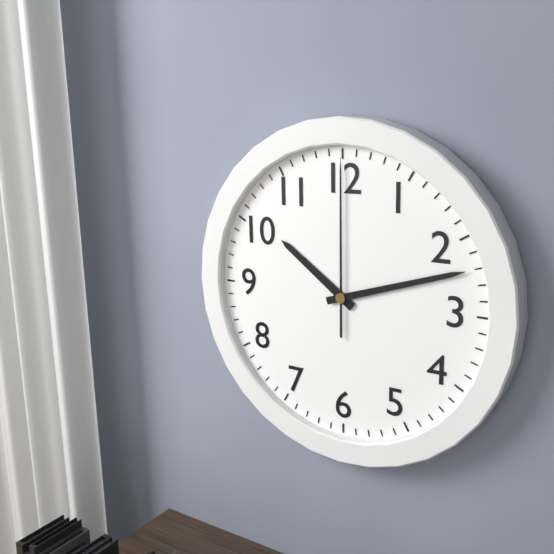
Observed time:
10:12:00
